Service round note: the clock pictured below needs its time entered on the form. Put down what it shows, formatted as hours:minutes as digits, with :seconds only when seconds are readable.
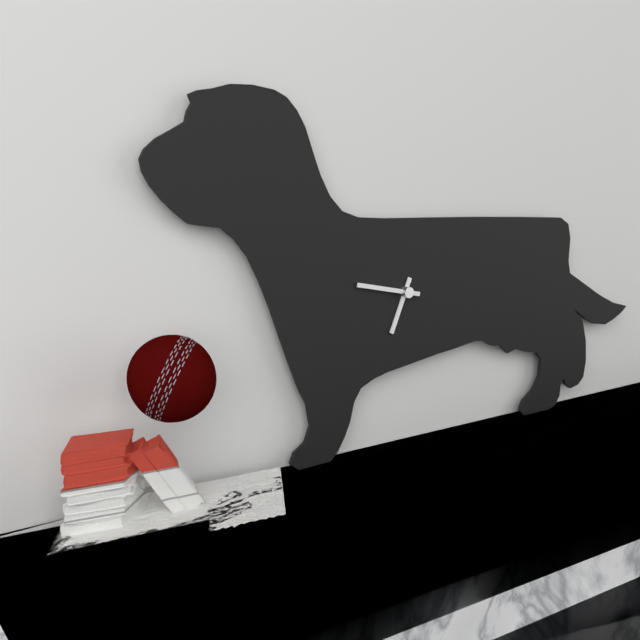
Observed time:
6:47
